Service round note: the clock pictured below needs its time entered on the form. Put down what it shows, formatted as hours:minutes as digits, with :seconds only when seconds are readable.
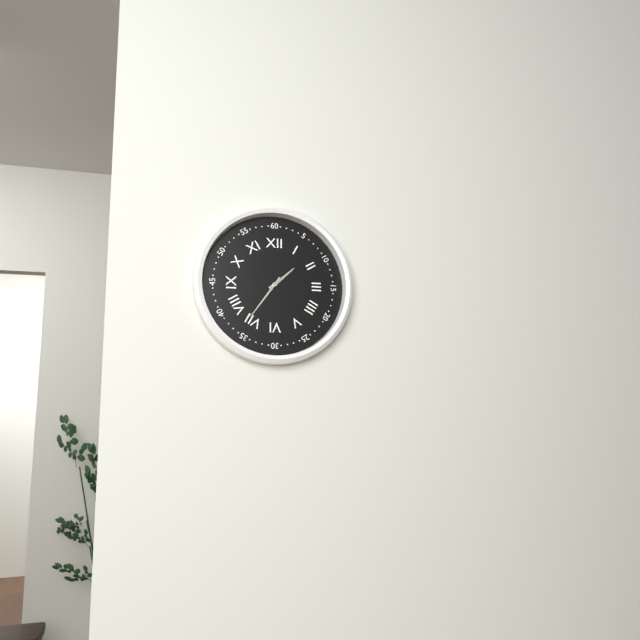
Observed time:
1:36
